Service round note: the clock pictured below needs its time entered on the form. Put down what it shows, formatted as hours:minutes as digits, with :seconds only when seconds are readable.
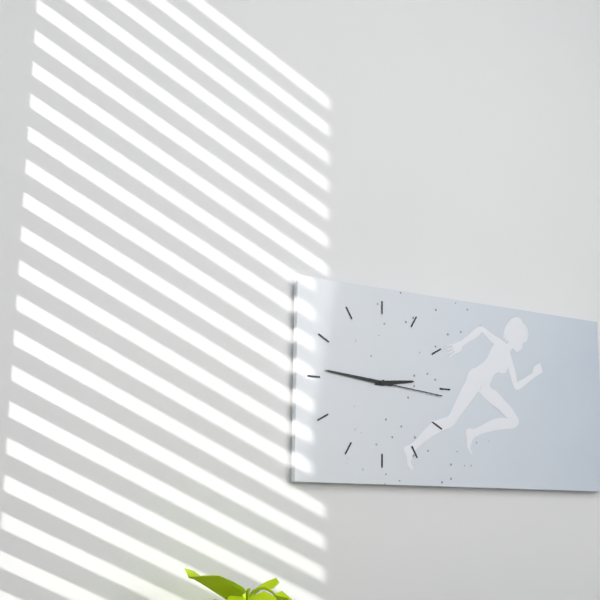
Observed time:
2:46:16
